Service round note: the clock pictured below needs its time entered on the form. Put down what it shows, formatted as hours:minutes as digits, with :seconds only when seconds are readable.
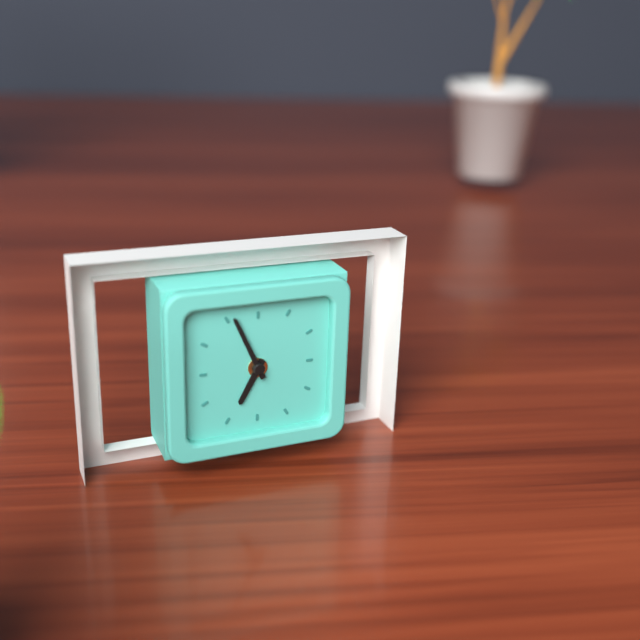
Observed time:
6:56
